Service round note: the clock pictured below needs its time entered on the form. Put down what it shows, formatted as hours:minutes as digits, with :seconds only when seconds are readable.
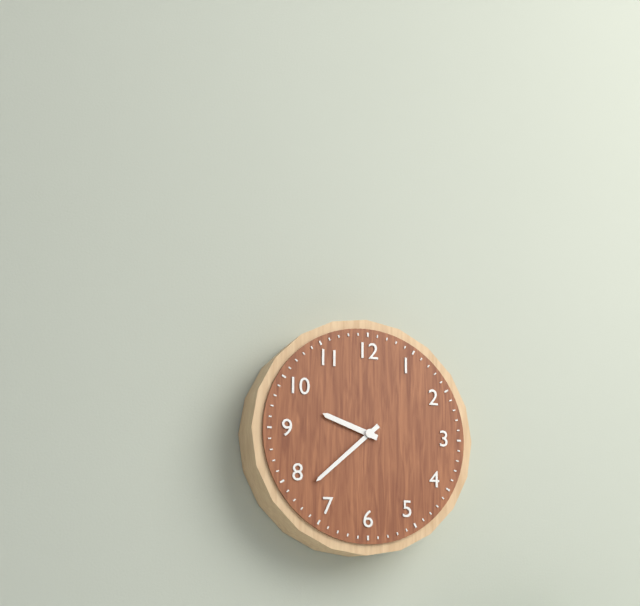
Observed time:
9:38
